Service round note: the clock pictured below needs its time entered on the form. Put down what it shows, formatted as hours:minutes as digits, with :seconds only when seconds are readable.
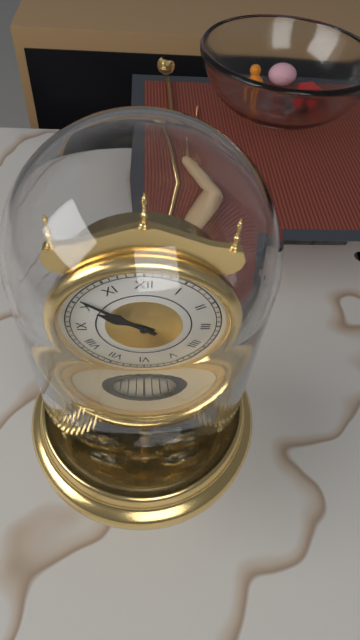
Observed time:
9:51
